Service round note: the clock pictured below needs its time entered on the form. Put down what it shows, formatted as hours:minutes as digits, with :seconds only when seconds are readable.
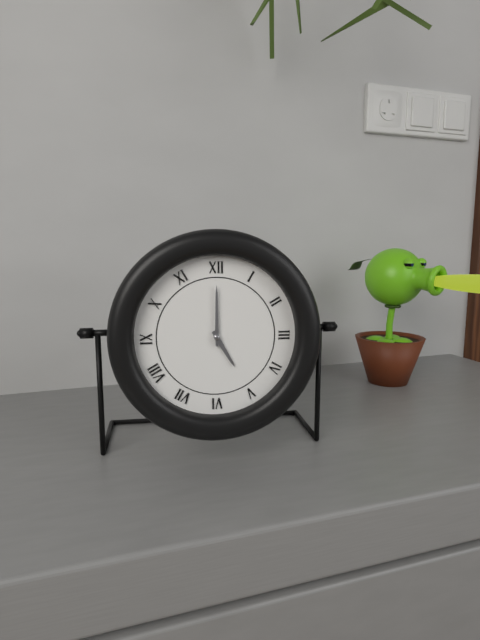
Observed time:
5:00
